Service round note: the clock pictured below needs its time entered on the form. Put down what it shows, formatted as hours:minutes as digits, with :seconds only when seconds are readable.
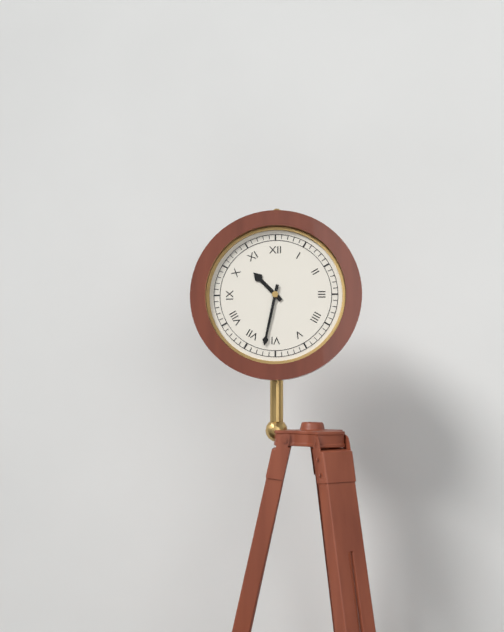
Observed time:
10:32
